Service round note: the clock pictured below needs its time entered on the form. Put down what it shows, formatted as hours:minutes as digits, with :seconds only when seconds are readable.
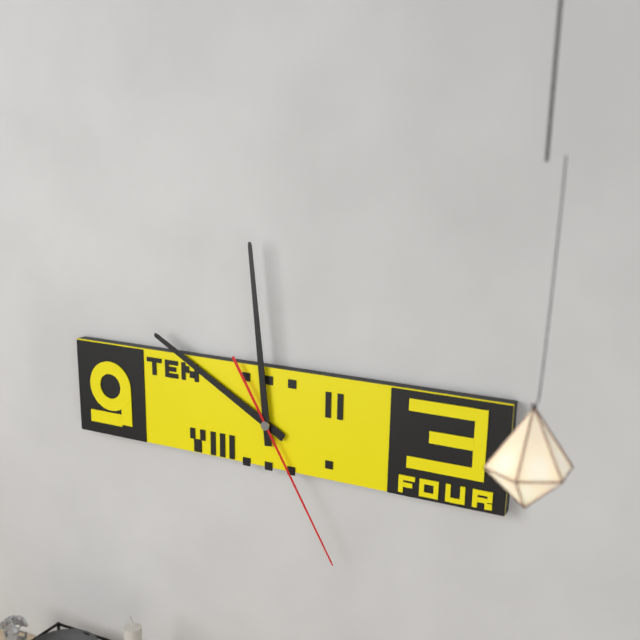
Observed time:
9:59:25
